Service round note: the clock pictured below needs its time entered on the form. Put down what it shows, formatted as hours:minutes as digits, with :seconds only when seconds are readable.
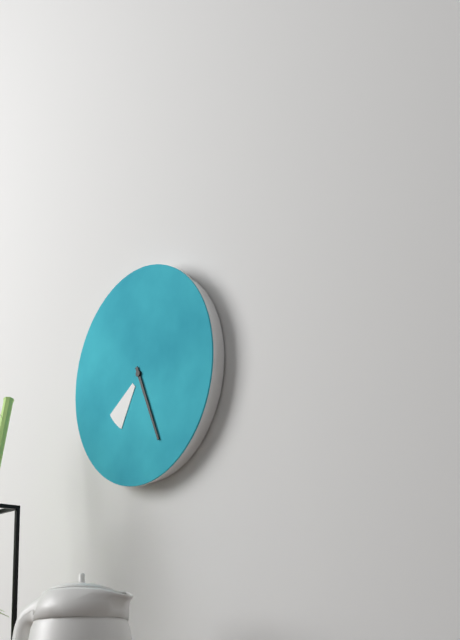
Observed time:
7:26
